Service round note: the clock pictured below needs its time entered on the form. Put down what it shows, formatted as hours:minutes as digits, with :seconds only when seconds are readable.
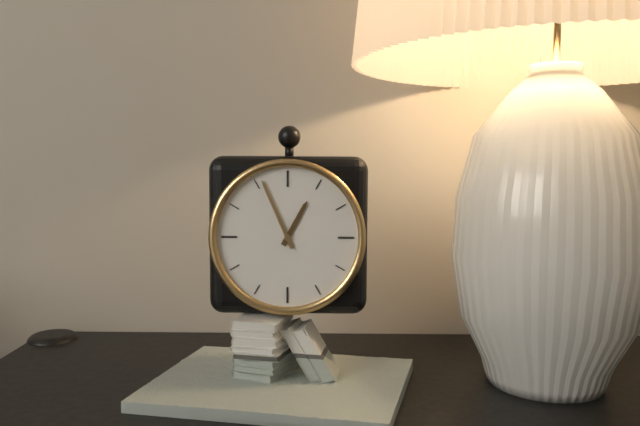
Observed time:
12:56
